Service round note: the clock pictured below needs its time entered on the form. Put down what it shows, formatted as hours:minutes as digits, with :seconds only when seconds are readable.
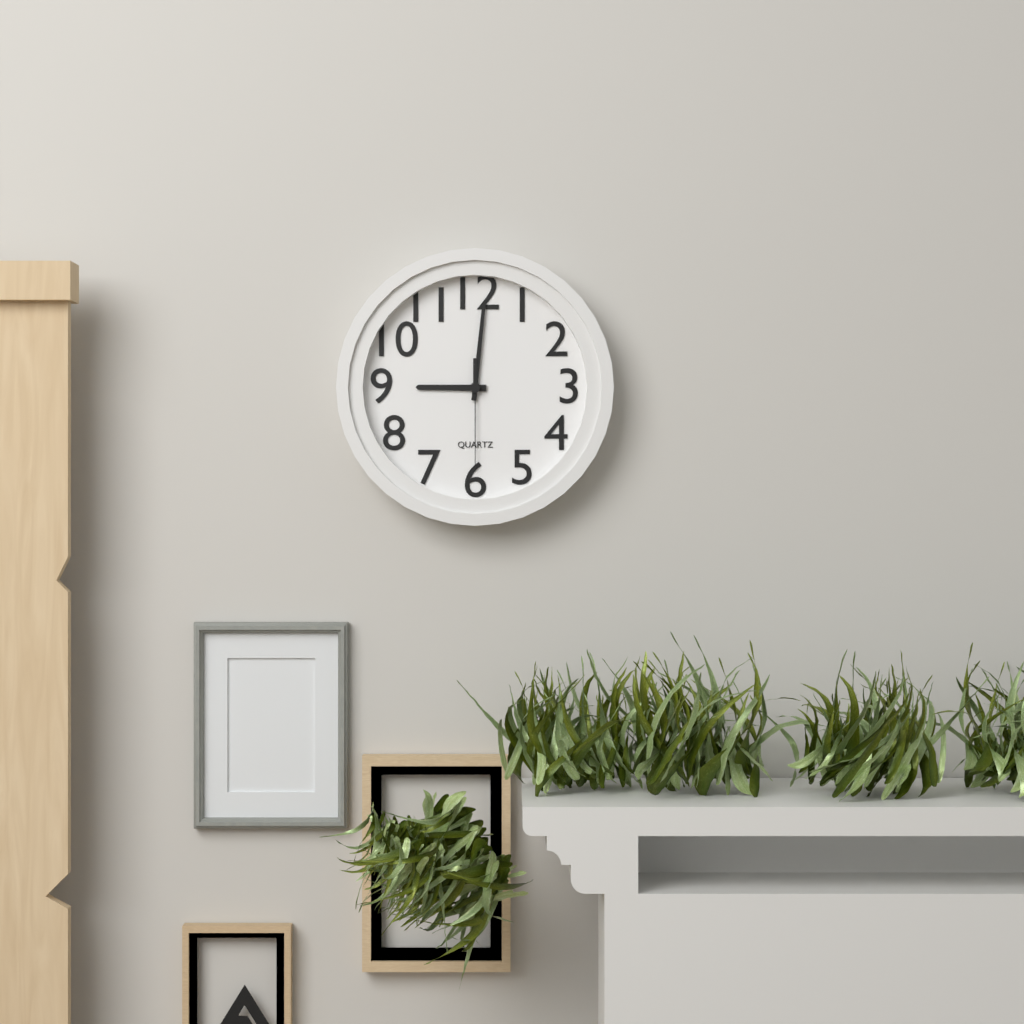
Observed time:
9:01:30
